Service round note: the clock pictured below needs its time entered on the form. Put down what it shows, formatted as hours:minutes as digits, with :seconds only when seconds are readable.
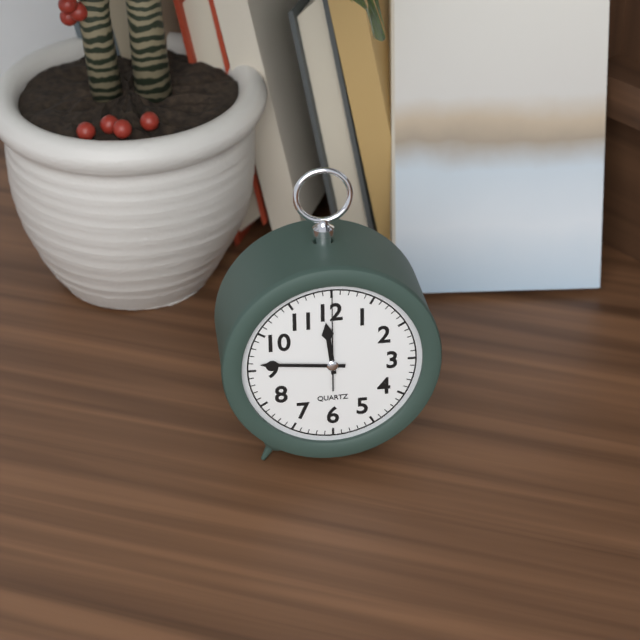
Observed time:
11:46:00
